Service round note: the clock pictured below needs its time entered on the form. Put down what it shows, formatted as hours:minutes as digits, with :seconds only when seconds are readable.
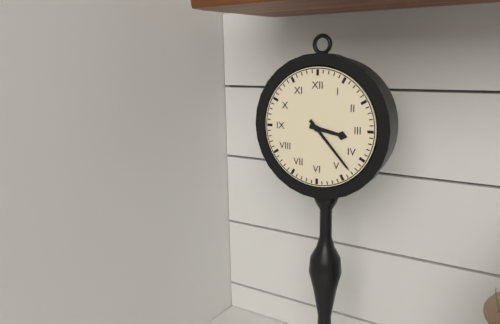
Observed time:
3:23
